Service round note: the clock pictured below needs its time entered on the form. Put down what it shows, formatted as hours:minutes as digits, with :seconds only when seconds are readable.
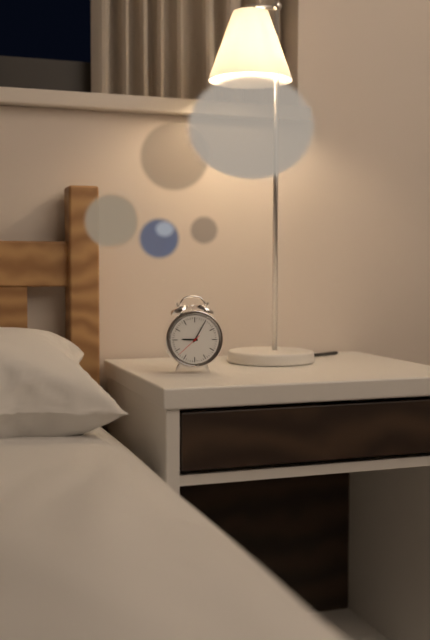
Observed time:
9:05
